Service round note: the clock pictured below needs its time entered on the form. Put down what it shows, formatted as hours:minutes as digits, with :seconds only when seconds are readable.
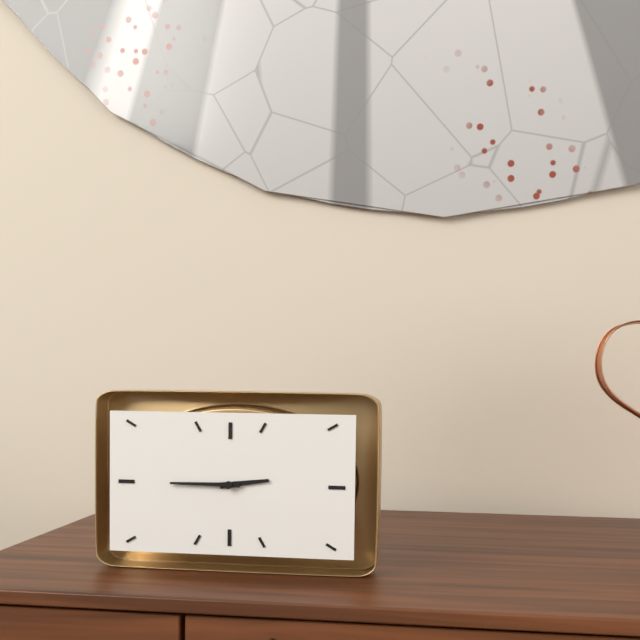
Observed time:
2:45
